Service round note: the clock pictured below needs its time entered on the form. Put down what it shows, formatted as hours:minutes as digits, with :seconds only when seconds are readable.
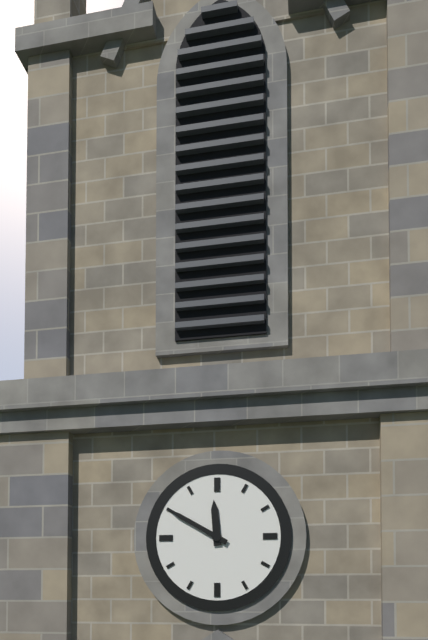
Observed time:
11:50
